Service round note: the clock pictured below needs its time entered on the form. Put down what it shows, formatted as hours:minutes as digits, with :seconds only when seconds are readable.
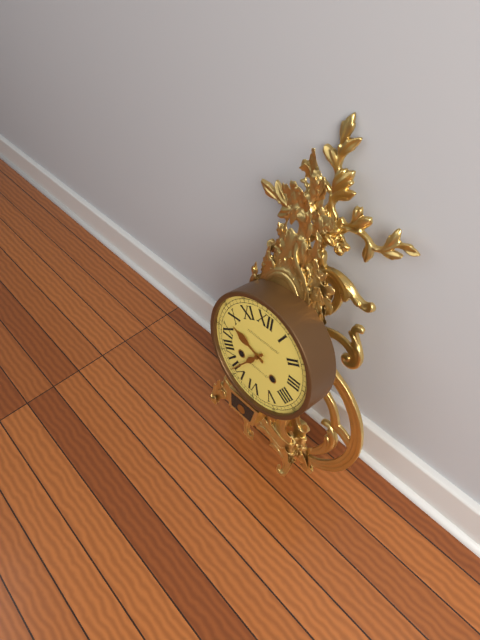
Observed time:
9:36
